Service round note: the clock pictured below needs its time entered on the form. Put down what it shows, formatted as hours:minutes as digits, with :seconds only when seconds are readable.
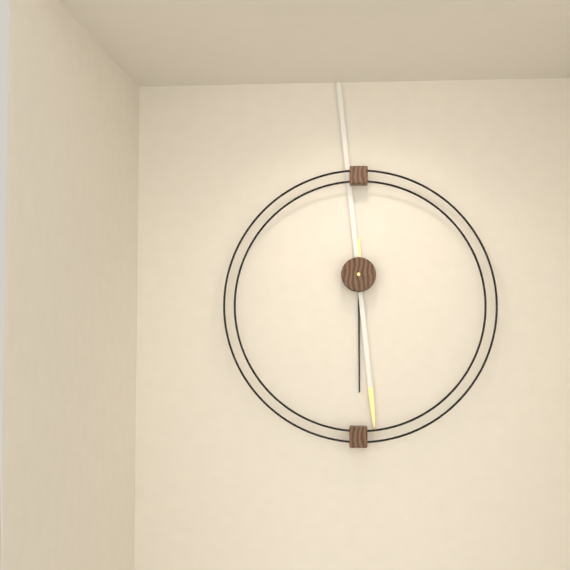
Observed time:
5:59
